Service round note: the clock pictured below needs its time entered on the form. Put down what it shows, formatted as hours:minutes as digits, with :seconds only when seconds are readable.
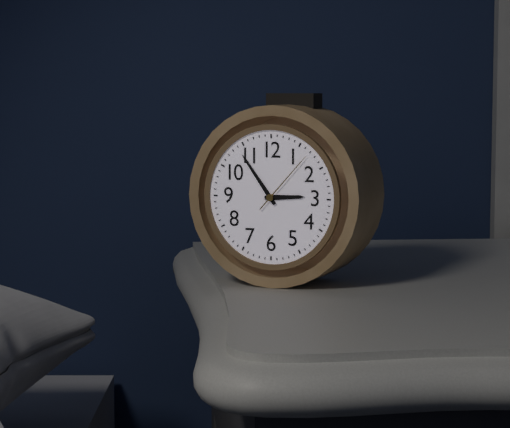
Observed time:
2:54:07
